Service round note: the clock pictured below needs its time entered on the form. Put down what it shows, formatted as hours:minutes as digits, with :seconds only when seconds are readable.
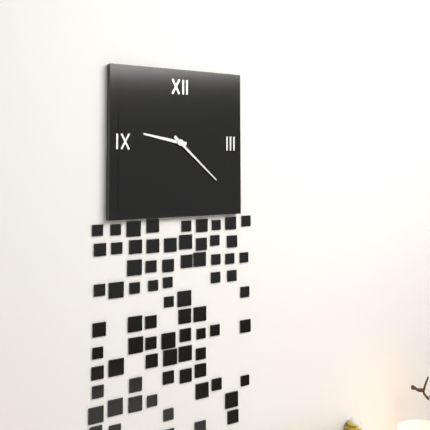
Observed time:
9:22
